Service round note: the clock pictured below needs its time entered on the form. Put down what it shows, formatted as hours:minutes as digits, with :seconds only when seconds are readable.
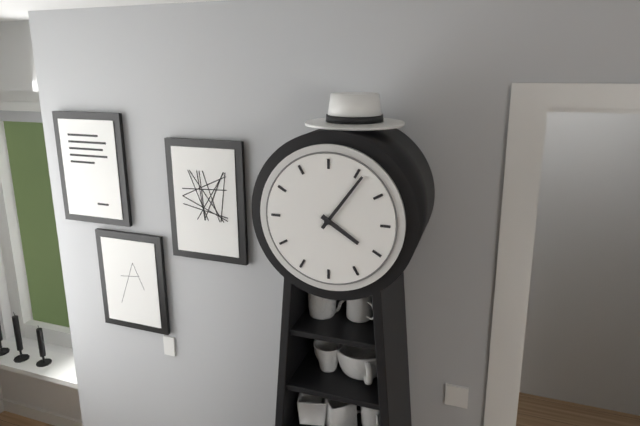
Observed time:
4:06
